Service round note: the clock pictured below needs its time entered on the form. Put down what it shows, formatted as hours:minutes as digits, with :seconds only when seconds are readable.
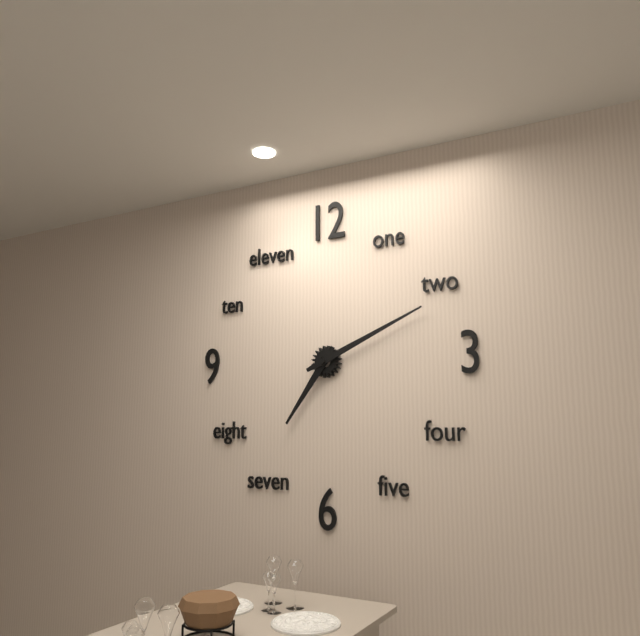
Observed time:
7:11
